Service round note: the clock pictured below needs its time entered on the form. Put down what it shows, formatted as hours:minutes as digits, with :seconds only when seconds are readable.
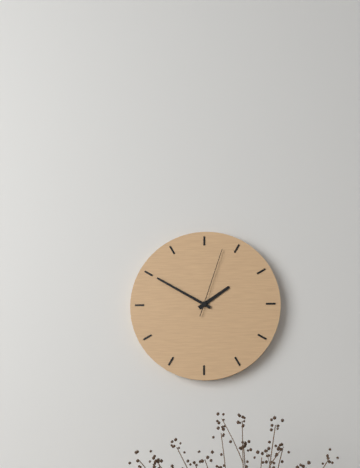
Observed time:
1:50:03
